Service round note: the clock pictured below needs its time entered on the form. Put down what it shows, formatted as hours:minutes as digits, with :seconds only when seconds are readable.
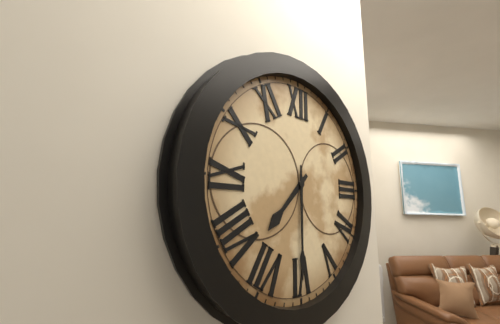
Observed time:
7:30
